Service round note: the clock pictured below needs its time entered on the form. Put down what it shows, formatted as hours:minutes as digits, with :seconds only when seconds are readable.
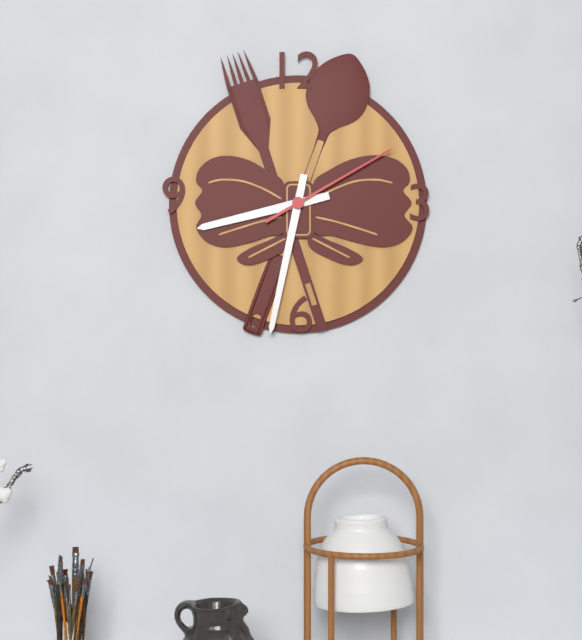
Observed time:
8:32:10
